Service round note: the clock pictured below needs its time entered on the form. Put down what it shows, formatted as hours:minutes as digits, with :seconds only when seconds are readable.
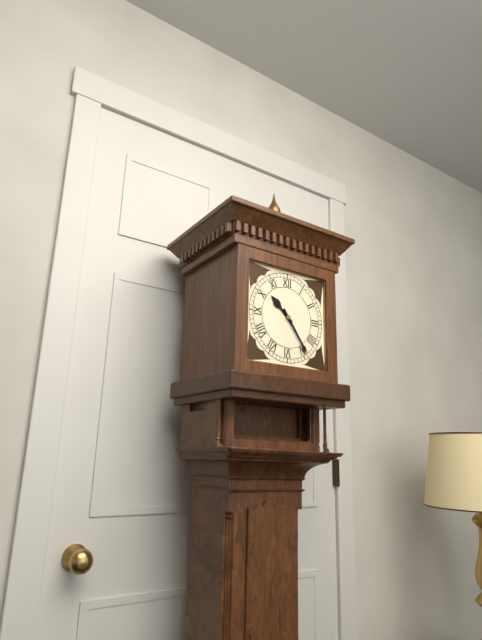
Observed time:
10:24
